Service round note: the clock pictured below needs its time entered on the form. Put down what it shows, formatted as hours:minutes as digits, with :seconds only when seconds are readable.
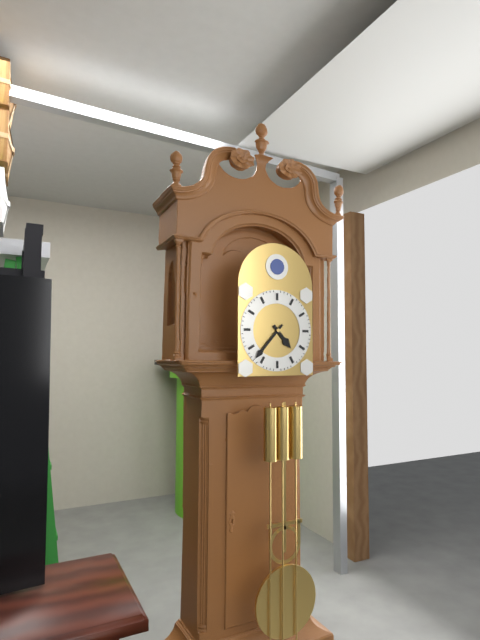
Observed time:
4:37
